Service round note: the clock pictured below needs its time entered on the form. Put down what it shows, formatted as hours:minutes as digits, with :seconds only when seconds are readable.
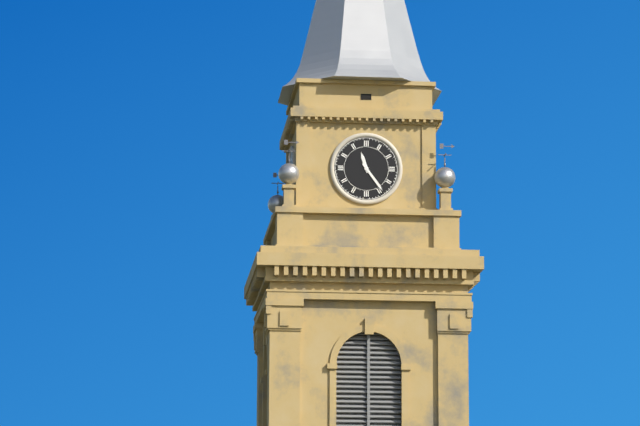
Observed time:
11:24
